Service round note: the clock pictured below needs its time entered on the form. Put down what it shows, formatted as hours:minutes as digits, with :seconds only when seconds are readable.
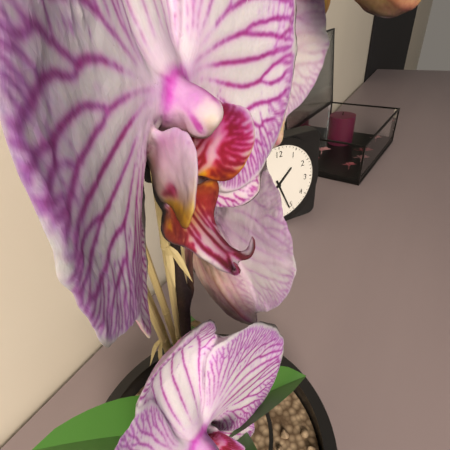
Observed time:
1:26
